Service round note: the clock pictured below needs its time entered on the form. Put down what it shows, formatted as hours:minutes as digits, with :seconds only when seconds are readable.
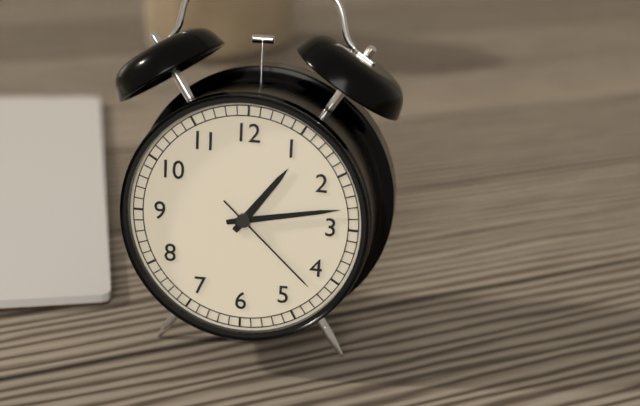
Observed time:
1:13:22
